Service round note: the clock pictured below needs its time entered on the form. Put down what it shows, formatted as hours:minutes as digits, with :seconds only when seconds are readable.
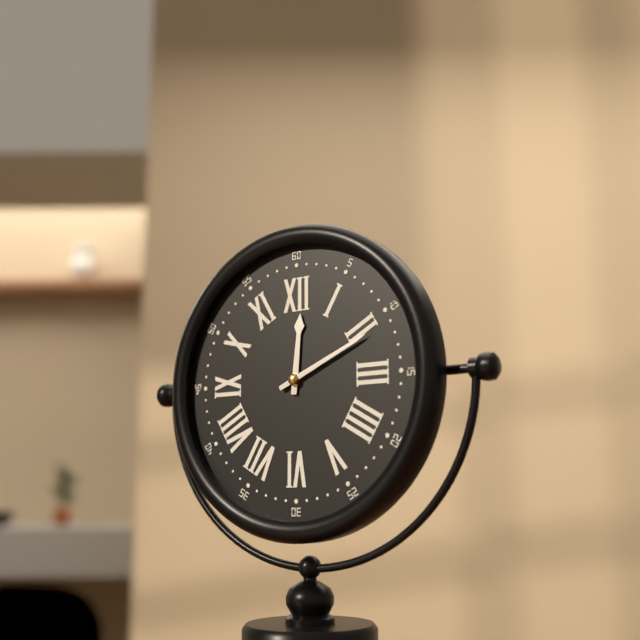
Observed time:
12:11
